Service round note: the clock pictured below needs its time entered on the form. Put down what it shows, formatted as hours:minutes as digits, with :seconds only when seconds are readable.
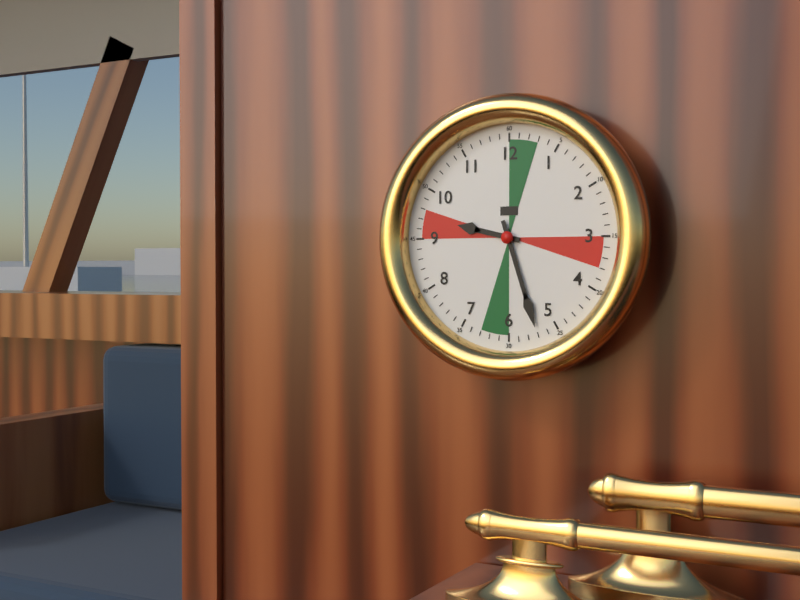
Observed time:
9:27
